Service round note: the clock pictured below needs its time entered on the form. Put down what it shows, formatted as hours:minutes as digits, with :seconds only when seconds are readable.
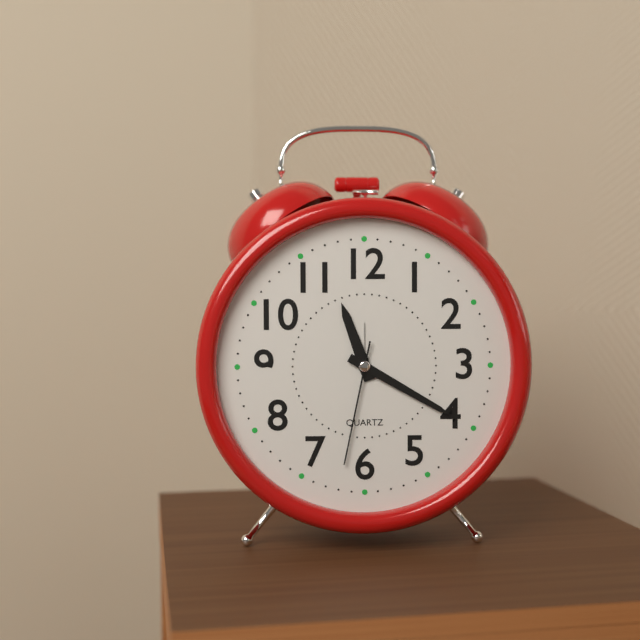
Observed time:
11:20:32
